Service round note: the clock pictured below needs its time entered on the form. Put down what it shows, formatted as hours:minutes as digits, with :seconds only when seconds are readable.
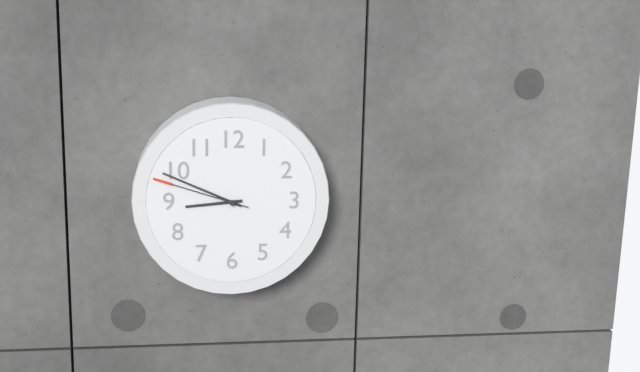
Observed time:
8:49:48
